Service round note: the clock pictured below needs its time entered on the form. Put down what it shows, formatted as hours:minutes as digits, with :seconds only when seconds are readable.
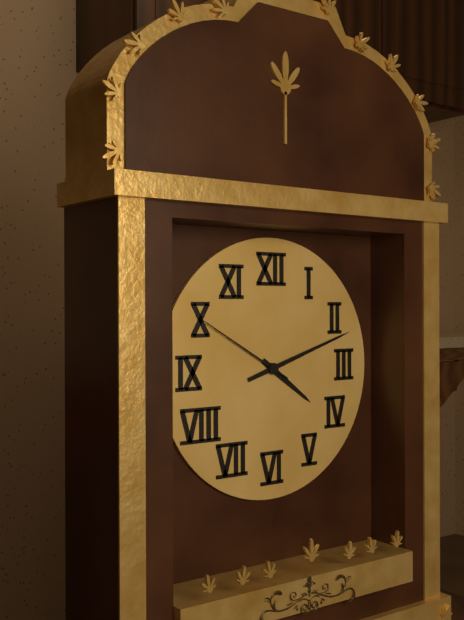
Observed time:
4:12:50
